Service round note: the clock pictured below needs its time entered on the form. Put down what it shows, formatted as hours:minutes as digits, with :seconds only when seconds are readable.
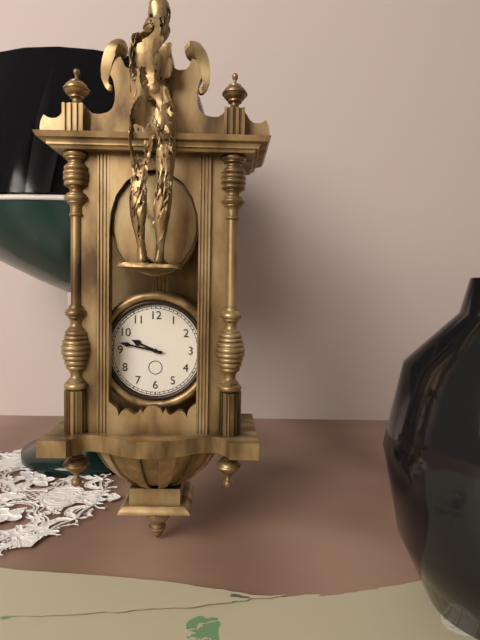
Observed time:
9:47
